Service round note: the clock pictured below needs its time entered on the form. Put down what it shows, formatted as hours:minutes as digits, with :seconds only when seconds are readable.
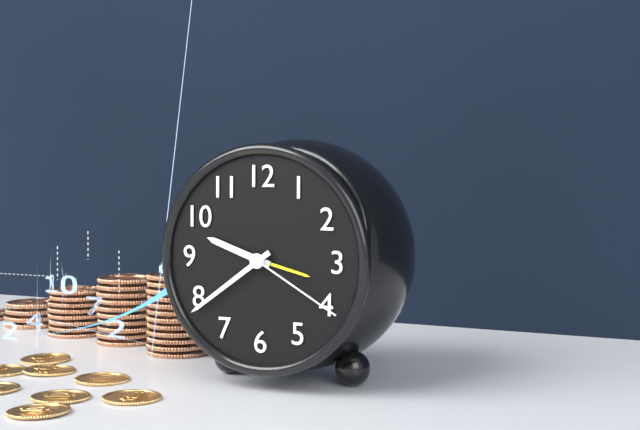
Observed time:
9:39:20
